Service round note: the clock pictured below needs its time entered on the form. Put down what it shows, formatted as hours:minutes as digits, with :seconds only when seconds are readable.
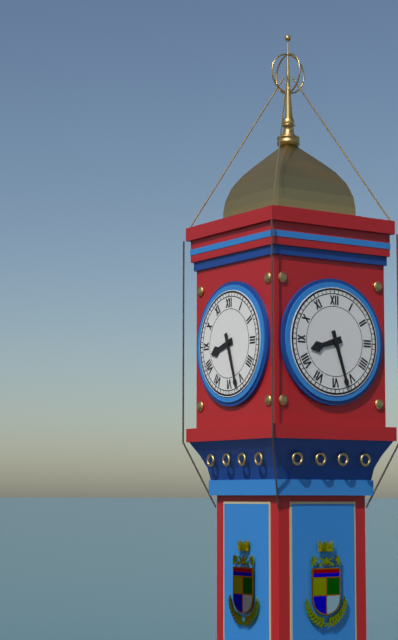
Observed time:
8:27
